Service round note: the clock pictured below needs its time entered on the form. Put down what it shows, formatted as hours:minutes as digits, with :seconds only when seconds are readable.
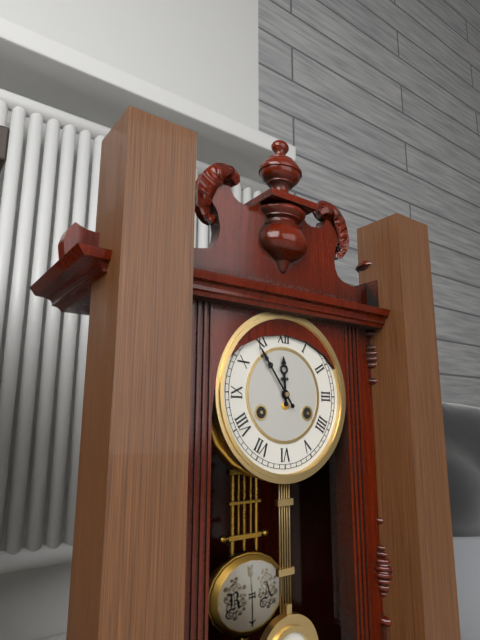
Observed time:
11:54
